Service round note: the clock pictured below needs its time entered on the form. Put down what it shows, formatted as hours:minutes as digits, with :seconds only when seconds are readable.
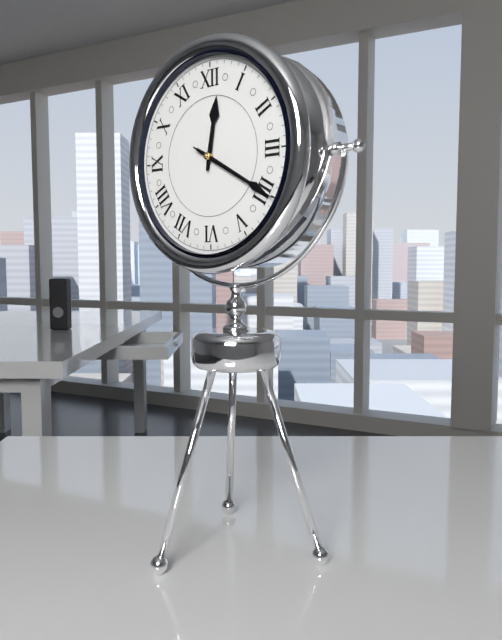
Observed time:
12:20:20
